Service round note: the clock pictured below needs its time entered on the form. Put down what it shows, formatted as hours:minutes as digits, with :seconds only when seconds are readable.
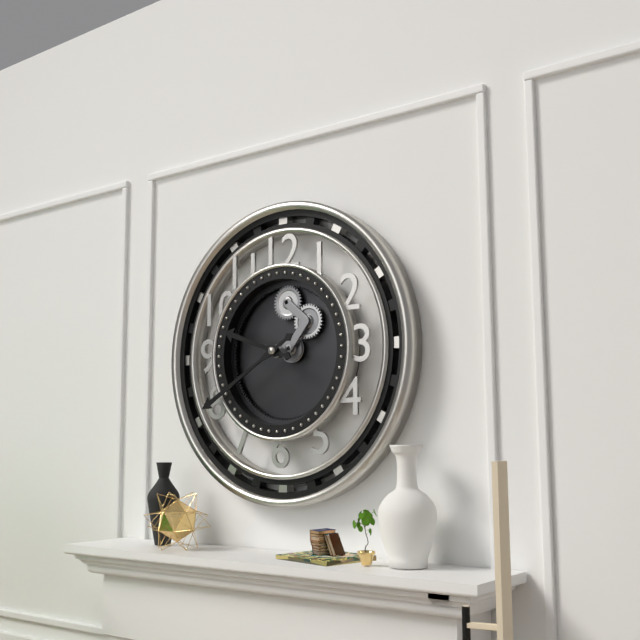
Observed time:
9:40
